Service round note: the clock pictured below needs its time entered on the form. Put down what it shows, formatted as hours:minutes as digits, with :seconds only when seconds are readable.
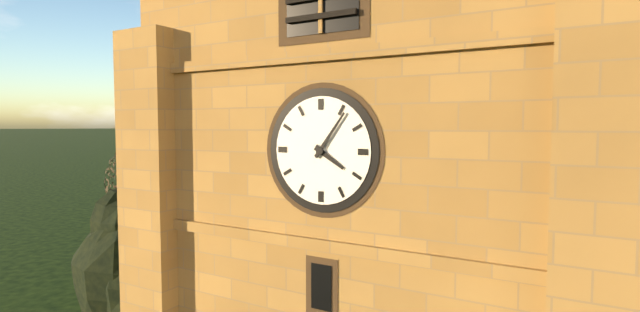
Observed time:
4:06
